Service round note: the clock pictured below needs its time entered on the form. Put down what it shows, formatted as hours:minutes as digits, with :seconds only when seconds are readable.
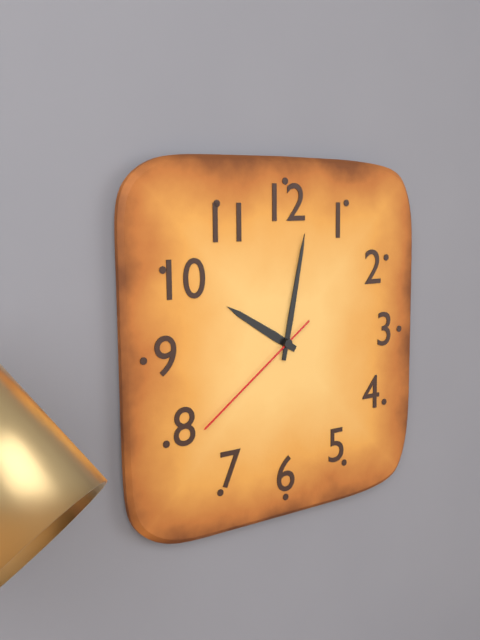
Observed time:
10:02:39
